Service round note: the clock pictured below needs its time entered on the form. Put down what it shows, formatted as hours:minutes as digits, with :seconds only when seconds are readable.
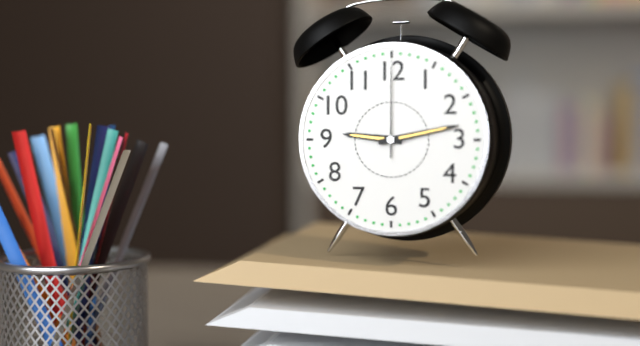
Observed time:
9:13:00
